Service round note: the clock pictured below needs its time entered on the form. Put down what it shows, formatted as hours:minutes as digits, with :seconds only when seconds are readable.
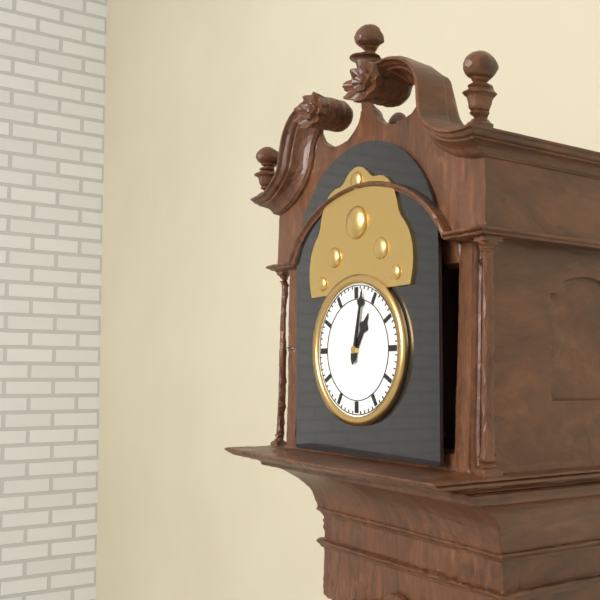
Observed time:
1:02
